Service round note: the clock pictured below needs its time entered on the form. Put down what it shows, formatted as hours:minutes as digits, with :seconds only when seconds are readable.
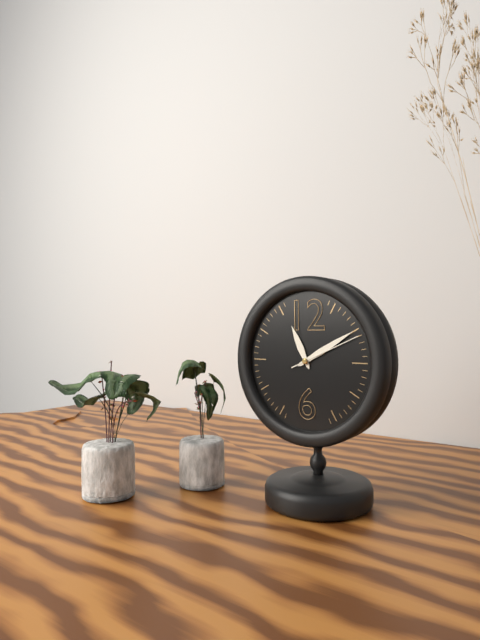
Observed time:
11:10:11
